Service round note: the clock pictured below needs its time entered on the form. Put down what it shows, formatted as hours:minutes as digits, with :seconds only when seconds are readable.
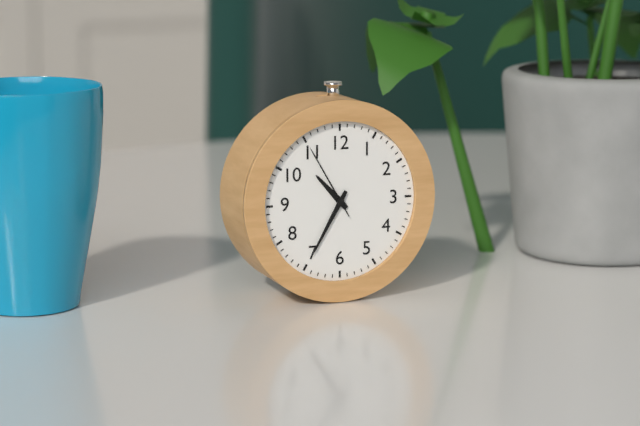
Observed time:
10:35:55
